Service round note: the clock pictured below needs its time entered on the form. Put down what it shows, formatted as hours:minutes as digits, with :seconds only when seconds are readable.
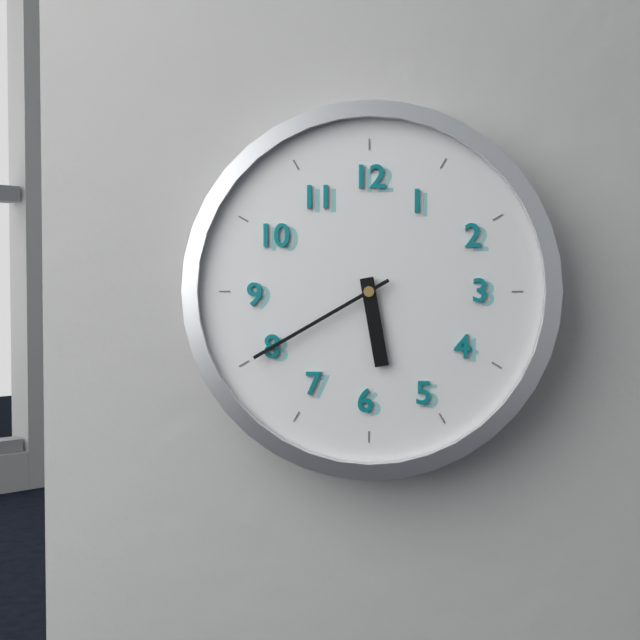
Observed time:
5:40
